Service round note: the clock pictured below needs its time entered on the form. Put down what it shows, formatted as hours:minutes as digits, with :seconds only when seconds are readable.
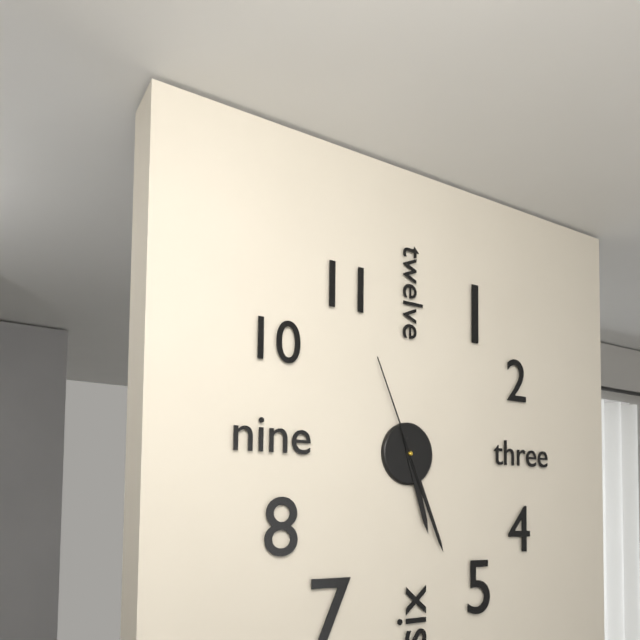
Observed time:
5:26:56
